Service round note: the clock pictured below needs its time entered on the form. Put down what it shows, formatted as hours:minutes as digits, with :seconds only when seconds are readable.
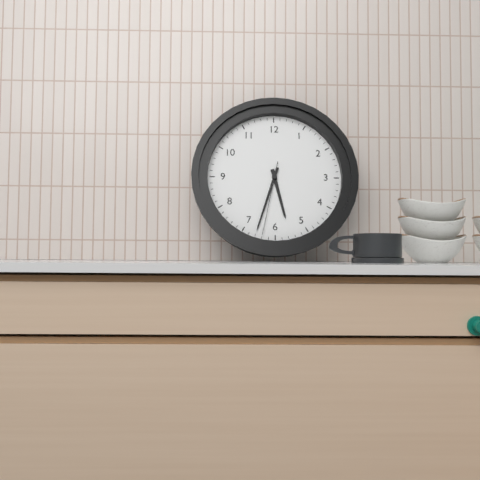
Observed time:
5:33:32
